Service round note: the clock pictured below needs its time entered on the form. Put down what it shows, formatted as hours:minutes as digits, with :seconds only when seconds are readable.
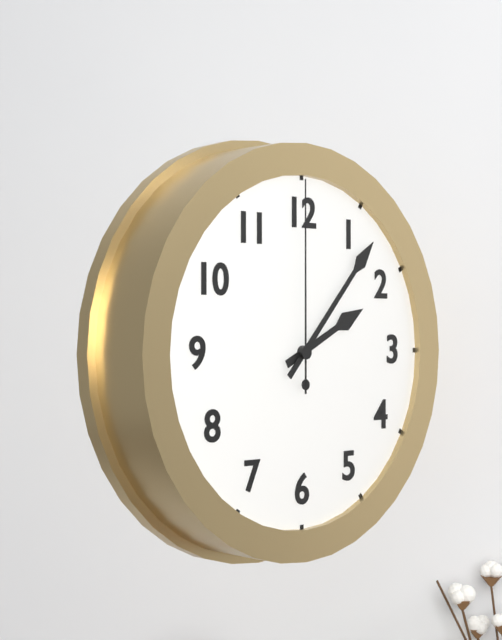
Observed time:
2:07:00
